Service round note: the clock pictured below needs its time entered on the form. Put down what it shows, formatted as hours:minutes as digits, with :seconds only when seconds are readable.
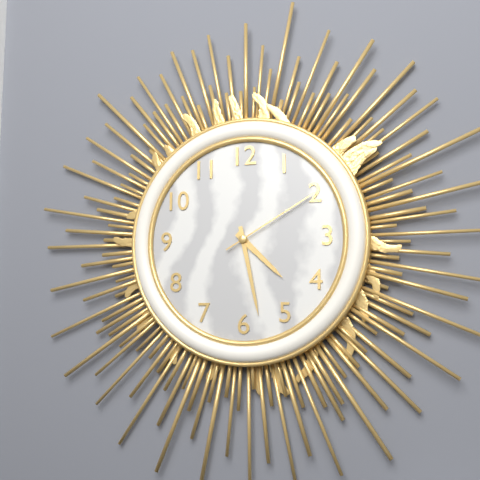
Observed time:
4:28:10
